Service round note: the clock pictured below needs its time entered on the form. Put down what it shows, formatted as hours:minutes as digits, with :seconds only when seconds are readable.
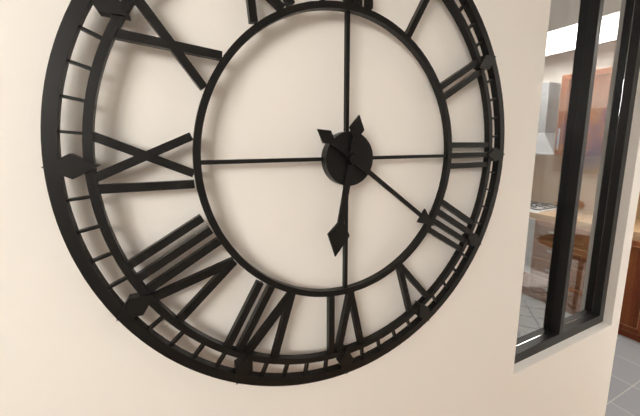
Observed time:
6:21
